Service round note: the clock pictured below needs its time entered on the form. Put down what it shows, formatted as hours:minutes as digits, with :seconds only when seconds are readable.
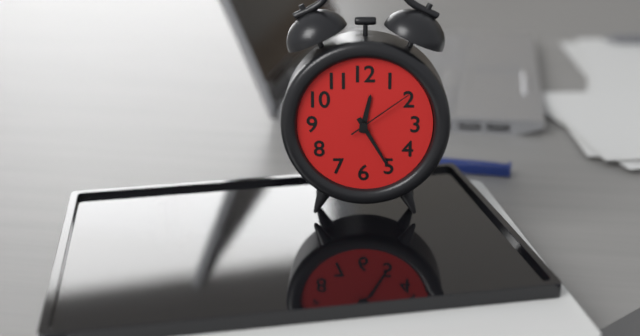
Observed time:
12:25:09
